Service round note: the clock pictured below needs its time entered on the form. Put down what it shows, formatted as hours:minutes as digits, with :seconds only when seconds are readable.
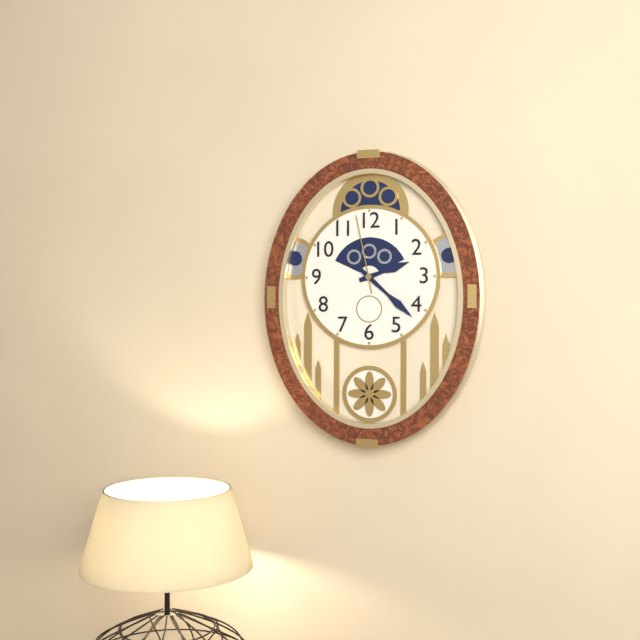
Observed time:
2:22:58
